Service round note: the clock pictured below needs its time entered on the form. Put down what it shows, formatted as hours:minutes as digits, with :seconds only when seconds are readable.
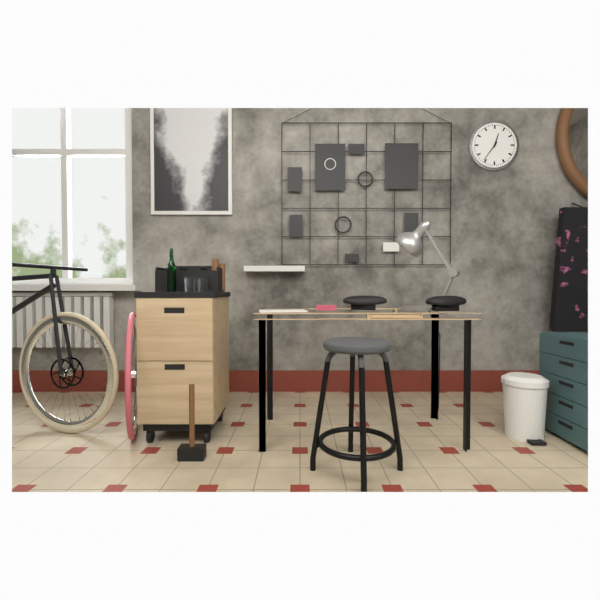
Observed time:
12:36
